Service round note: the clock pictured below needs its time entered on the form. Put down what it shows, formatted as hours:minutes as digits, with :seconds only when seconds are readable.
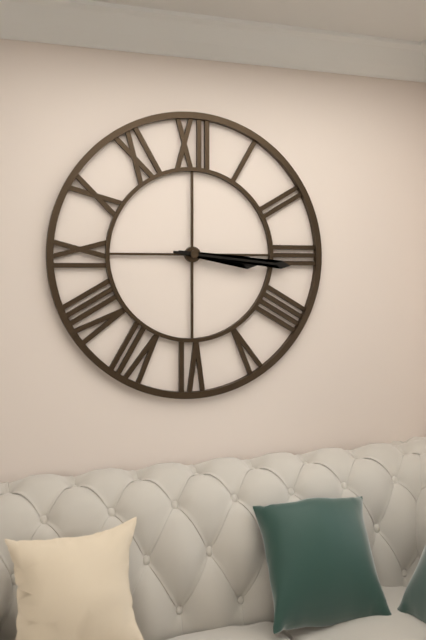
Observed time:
3:16
